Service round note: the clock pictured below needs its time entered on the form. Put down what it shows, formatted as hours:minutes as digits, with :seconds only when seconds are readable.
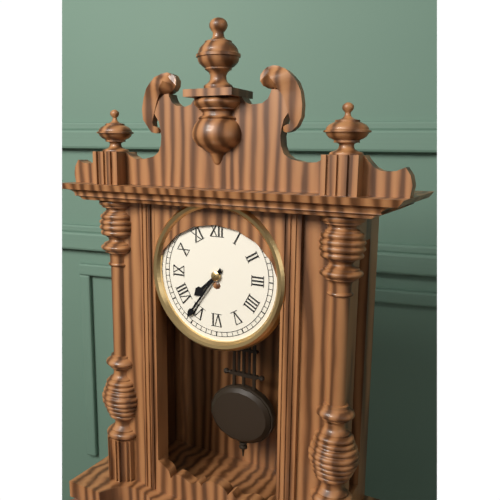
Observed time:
7:36
